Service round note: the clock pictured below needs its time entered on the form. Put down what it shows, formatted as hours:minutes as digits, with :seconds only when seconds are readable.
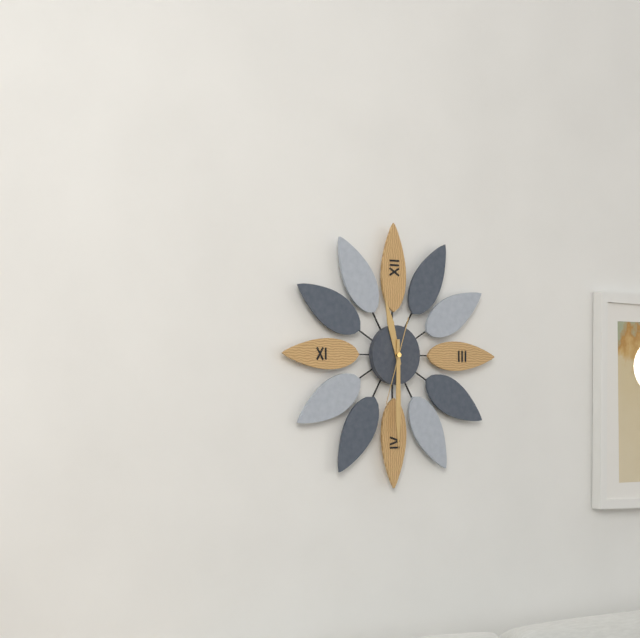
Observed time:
11:30:33
